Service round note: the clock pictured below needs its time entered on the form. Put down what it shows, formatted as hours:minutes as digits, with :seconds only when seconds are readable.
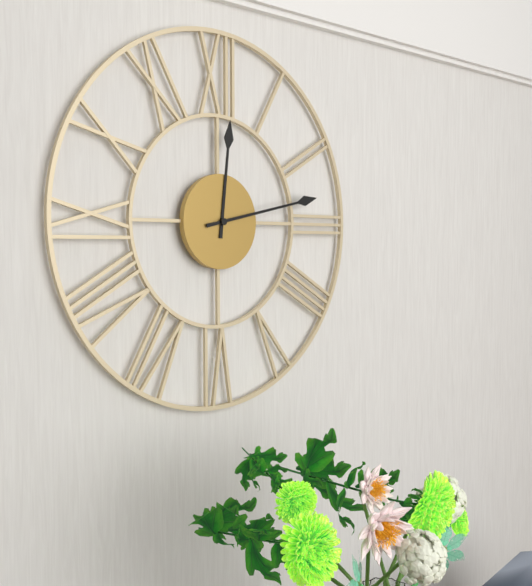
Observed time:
12:13
